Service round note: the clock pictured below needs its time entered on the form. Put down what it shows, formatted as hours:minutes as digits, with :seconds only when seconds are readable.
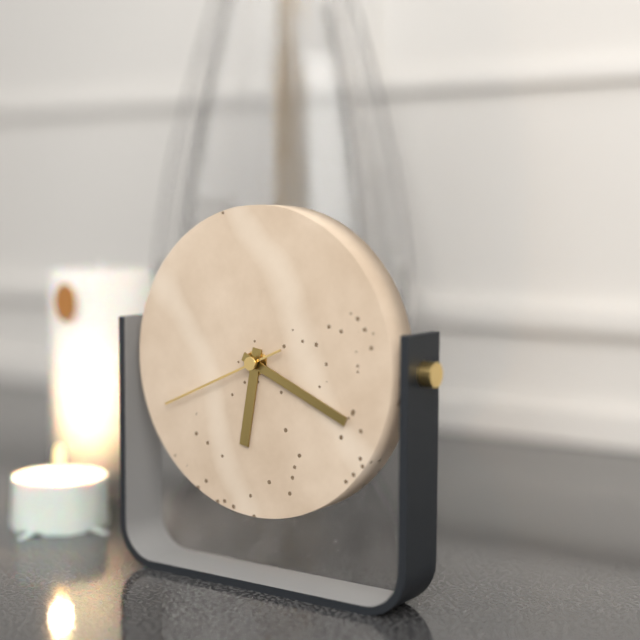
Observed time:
6:19:41
